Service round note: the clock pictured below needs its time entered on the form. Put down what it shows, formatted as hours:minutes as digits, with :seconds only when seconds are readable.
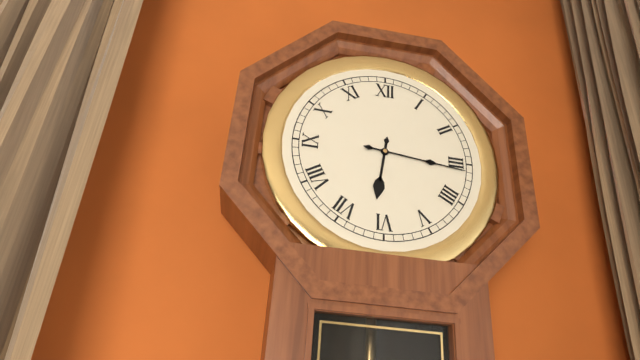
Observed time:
6:16
